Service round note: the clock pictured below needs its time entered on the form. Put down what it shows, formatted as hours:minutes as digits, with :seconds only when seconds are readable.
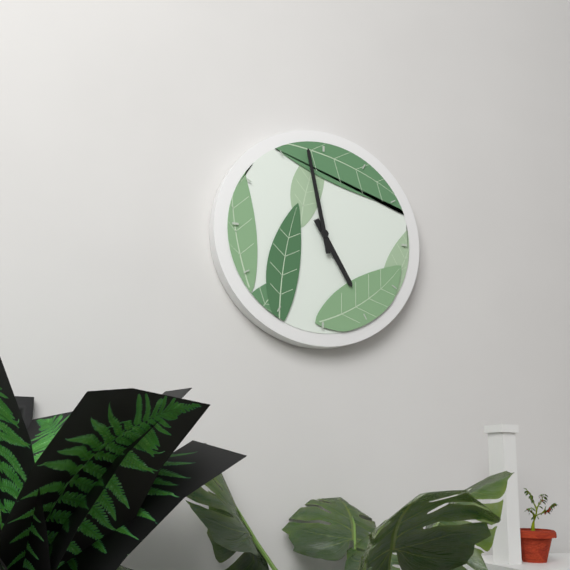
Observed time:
4:58
